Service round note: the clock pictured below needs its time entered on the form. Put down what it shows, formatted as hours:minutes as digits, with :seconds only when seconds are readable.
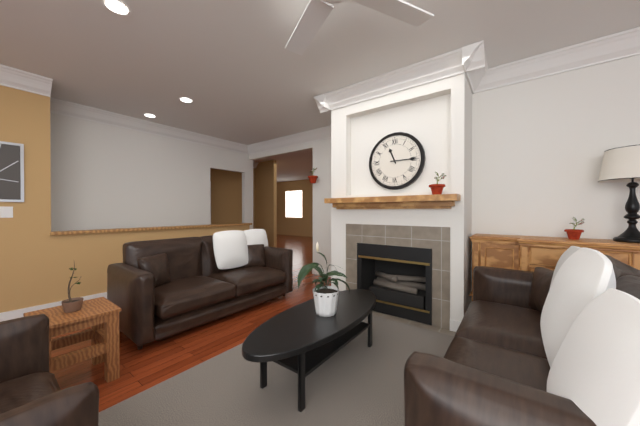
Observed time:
11:15
